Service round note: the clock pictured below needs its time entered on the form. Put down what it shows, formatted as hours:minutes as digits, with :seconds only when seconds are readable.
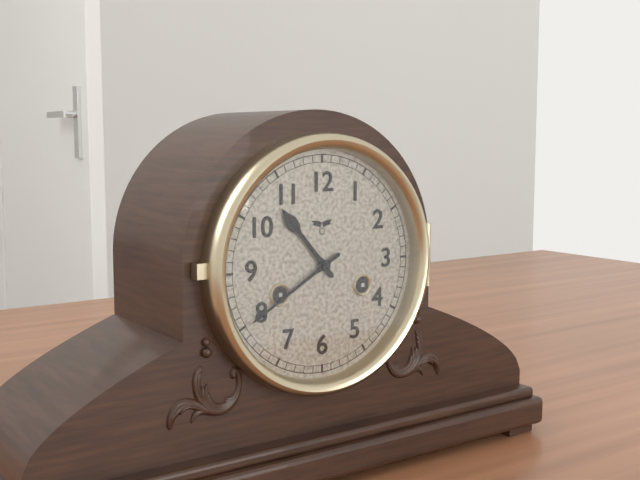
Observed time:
10:40
